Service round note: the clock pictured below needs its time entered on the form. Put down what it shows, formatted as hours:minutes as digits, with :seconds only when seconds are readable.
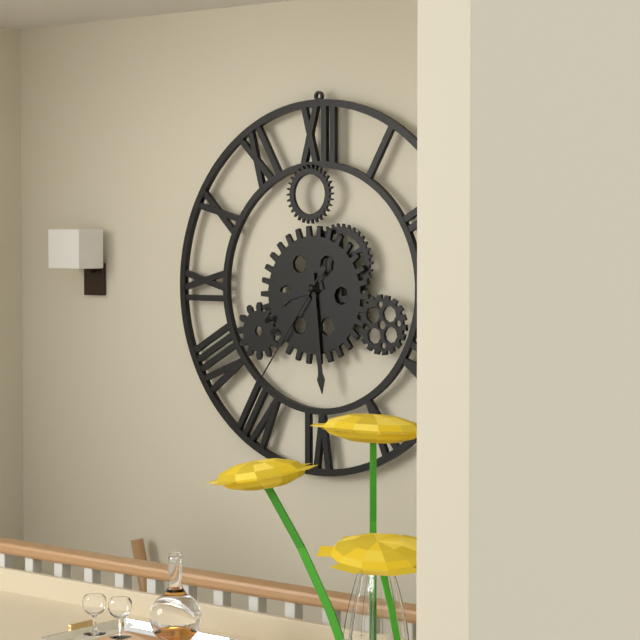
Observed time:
8:29:36
